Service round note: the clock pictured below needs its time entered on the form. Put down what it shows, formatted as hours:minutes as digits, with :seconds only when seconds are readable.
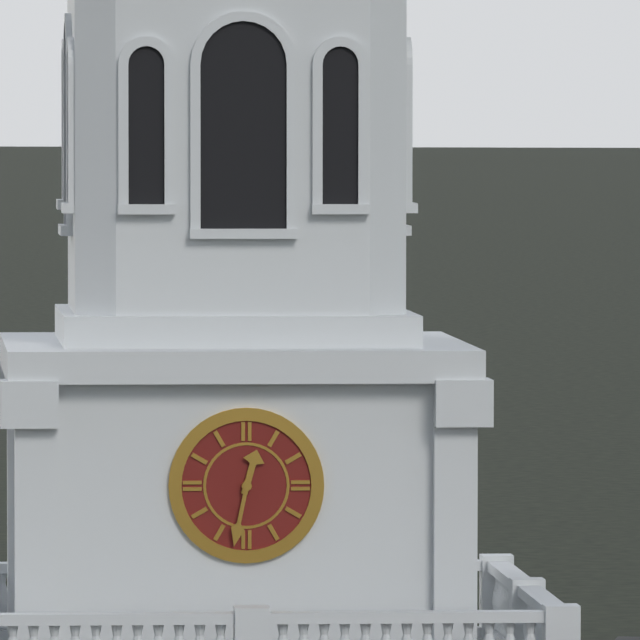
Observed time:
12:32
